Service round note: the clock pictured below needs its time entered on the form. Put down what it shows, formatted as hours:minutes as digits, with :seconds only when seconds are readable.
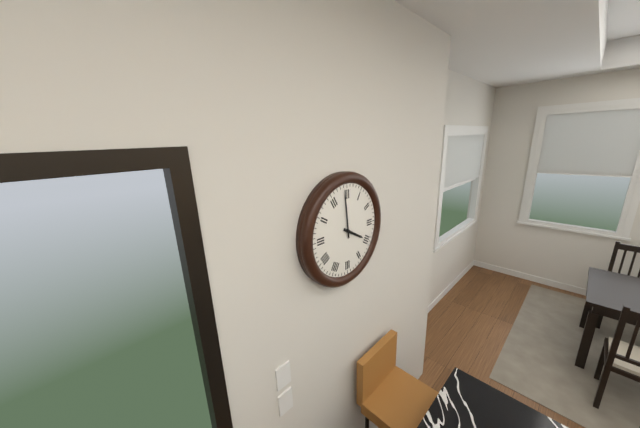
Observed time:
3:59
